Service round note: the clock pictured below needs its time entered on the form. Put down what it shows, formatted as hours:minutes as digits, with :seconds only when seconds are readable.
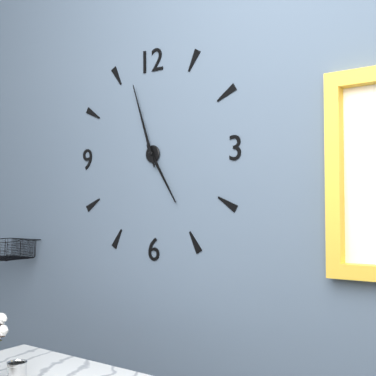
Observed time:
4:57
